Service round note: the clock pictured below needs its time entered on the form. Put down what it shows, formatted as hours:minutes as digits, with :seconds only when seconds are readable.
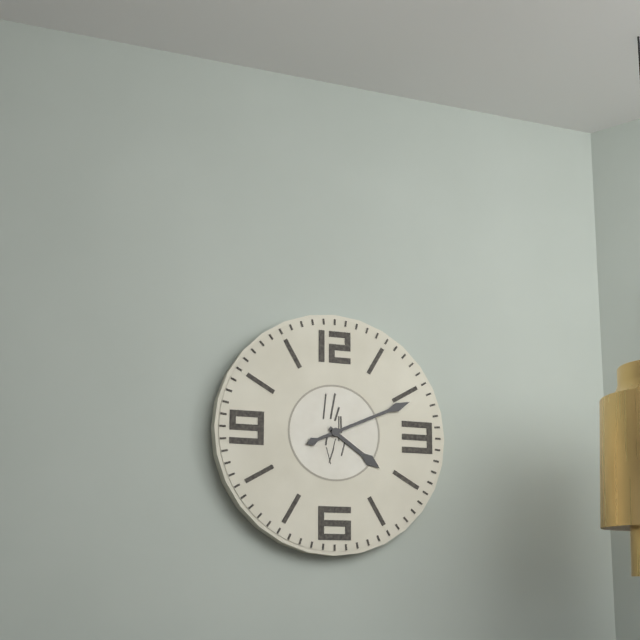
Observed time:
4:11
